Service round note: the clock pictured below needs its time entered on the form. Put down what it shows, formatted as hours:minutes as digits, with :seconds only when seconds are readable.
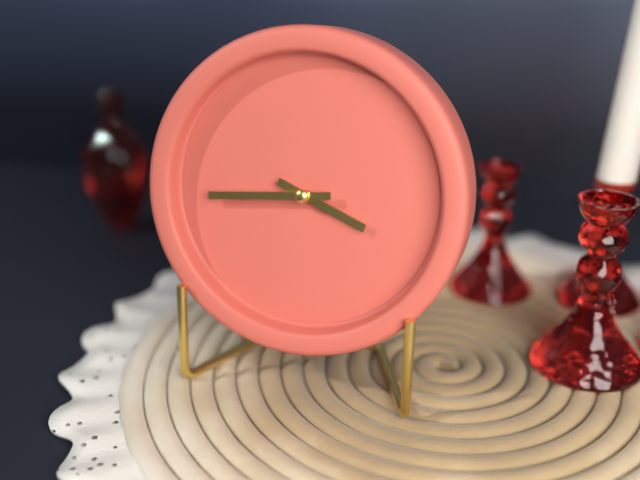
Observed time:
3:44
